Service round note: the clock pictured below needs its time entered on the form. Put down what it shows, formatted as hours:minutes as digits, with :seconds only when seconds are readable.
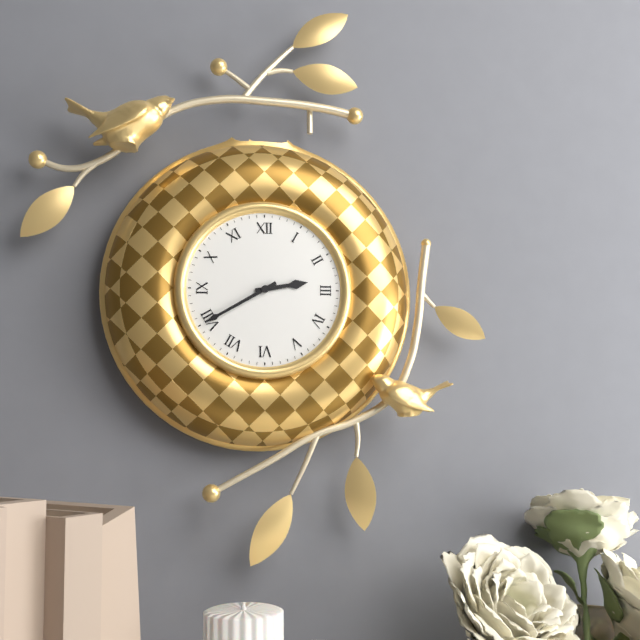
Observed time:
2:40
